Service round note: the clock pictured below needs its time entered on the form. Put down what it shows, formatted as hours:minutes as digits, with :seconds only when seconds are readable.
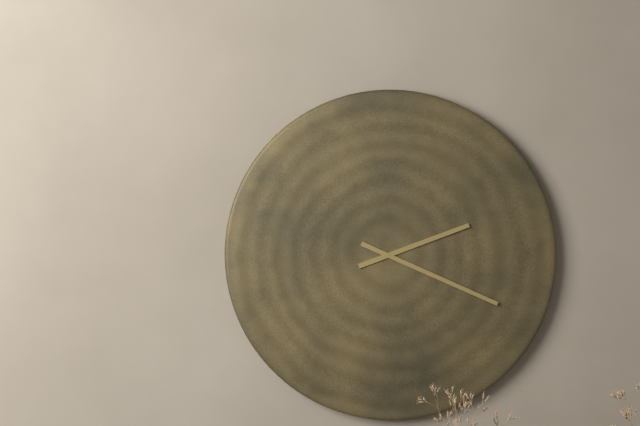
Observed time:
2:19
